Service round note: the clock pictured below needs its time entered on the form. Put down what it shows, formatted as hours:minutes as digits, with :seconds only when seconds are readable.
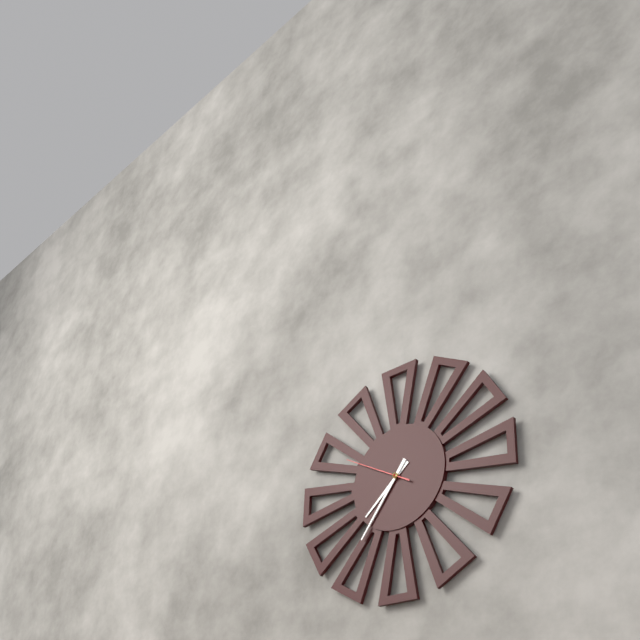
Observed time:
7:36:50
